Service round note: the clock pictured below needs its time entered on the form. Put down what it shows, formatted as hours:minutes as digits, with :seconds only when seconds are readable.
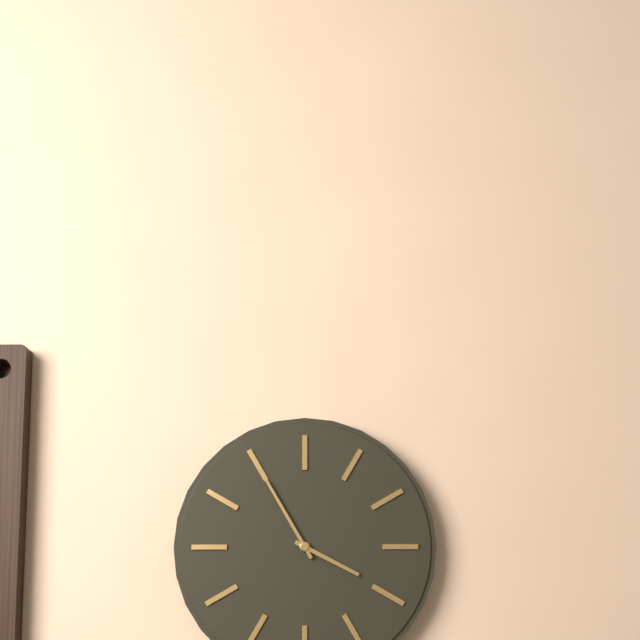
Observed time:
3:55
